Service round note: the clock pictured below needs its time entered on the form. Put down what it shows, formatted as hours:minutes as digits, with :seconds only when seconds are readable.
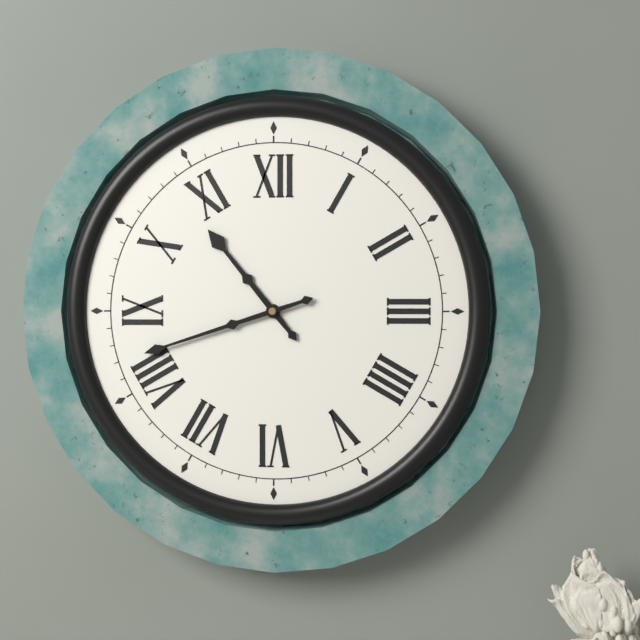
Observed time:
10:42
